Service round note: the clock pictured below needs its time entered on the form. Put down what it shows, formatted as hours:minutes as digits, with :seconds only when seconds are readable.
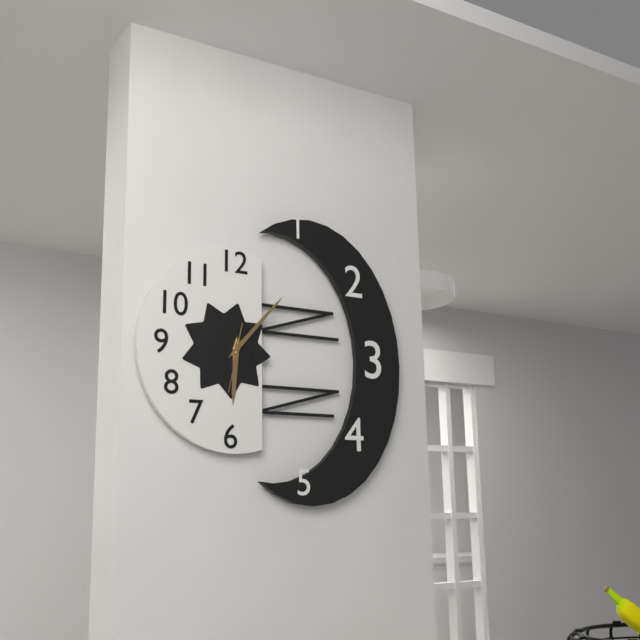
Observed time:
6:07:32
